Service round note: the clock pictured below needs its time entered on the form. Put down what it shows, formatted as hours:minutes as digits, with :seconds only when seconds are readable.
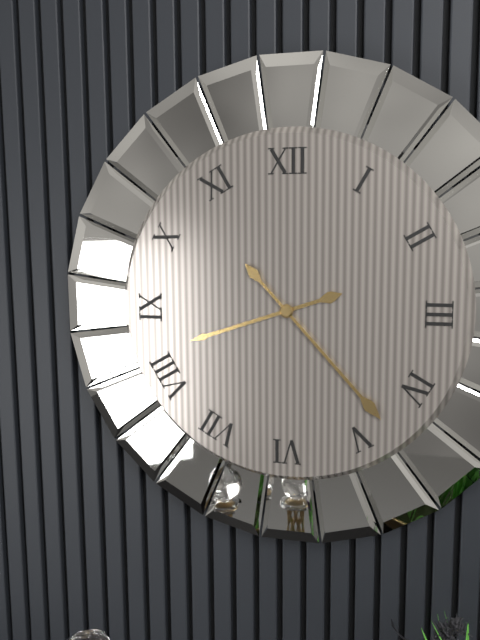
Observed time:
8:23
